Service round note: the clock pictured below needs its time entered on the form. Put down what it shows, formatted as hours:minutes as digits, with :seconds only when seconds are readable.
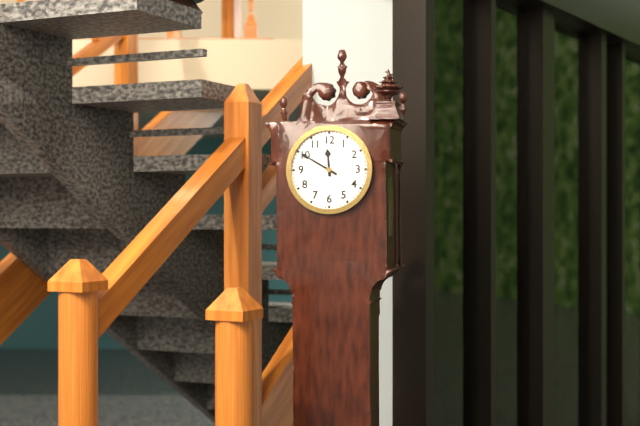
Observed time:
11:50
